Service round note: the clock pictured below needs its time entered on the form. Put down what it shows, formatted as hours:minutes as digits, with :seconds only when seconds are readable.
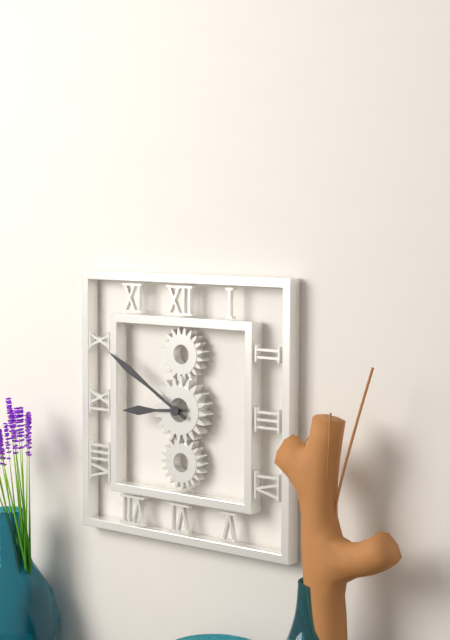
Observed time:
8:50
